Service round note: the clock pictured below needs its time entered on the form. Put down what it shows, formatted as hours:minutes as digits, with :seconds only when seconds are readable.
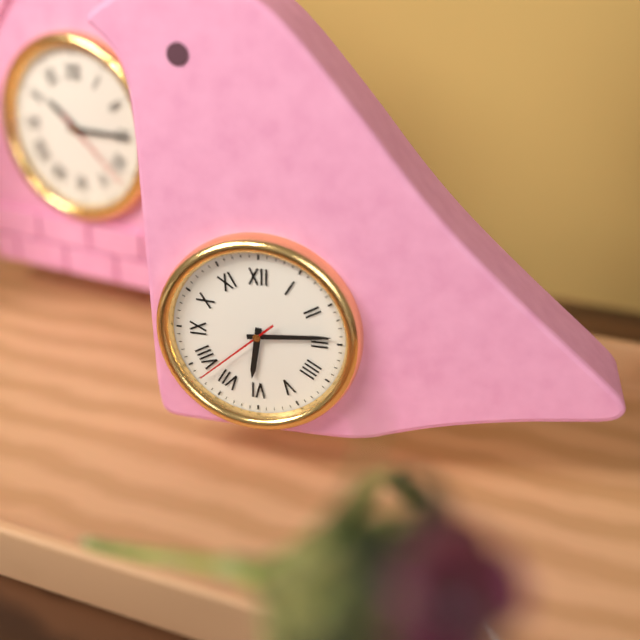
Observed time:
6:14:38
